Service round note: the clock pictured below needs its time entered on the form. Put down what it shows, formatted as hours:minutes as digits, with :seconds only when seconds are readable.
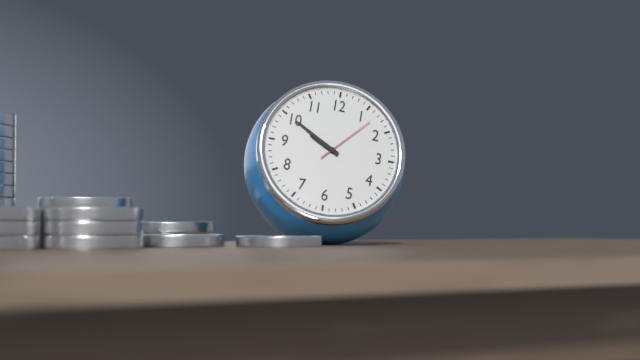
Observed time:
9:50:07
